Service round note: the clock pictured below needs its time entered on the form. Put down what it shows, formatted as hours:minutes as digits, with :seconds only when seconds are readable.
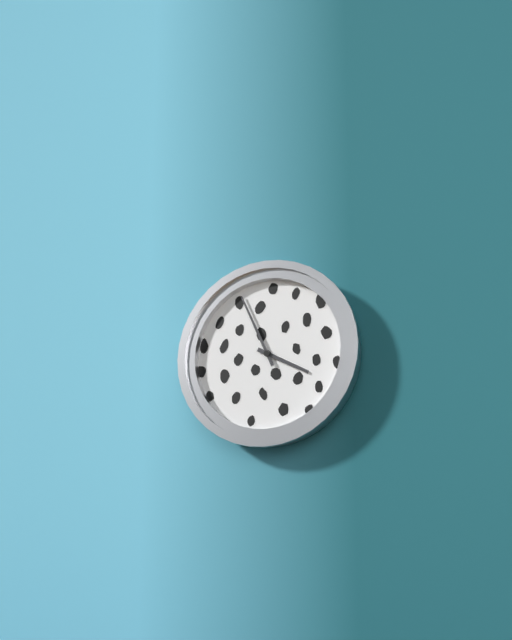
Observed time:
3:56
